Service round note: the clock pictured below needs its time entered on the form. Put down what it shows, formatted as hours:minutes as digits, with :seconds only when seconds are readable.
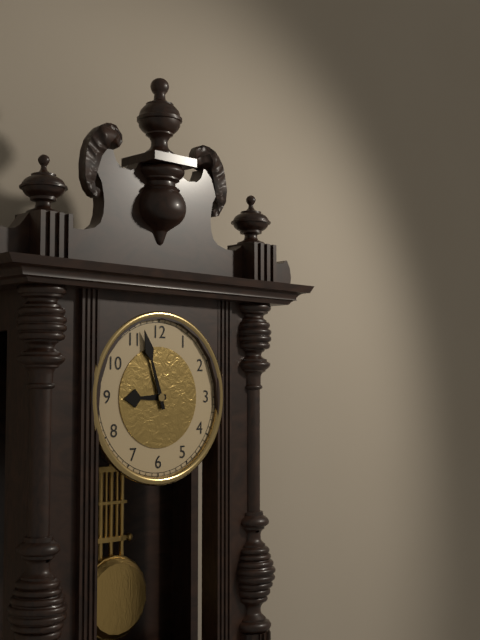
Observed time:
8:57
